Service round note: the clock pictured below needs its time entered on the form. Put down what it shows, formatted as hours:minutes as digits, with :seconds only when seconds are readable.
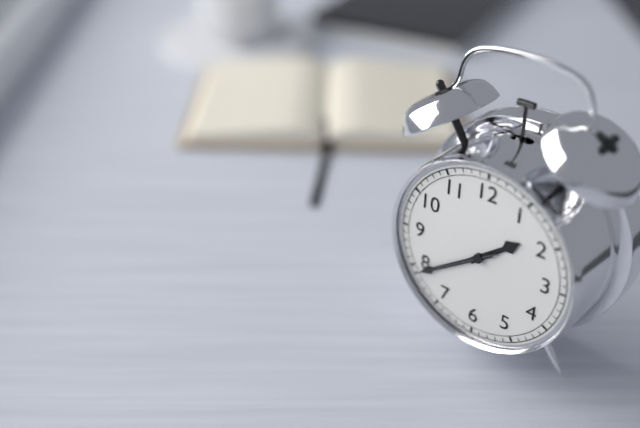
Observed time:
1:39:39
